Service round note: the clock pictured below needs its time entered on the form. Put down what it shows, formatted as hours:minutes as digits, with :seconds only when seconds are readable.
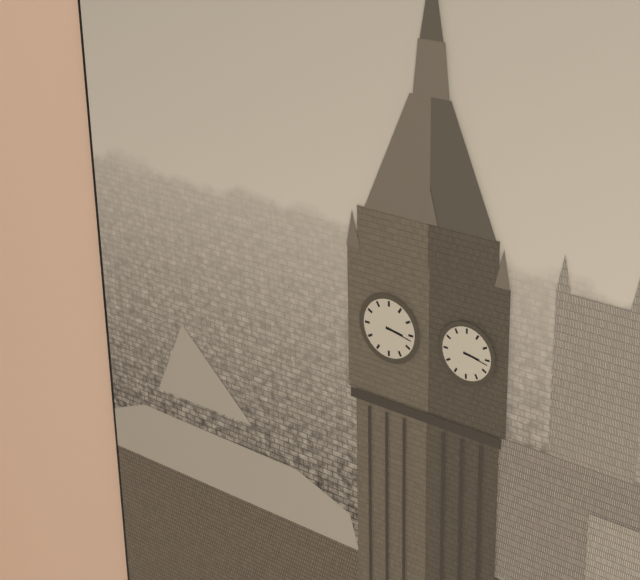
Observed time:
3:17
